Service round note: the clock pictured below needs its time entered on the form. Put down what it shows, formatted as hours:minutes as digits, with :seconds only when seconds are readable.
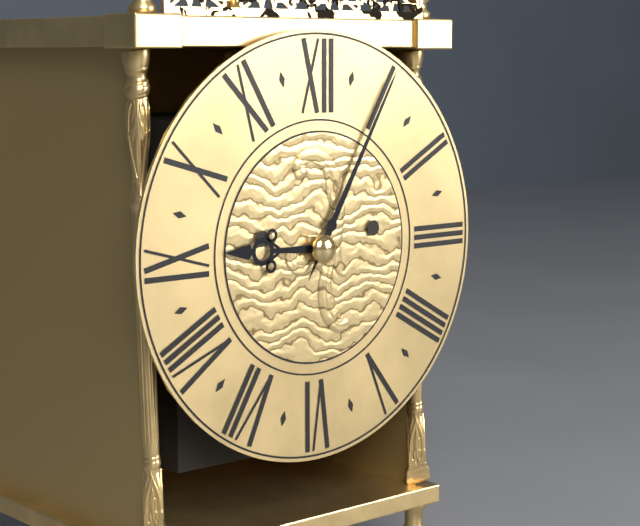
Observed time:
9:05
